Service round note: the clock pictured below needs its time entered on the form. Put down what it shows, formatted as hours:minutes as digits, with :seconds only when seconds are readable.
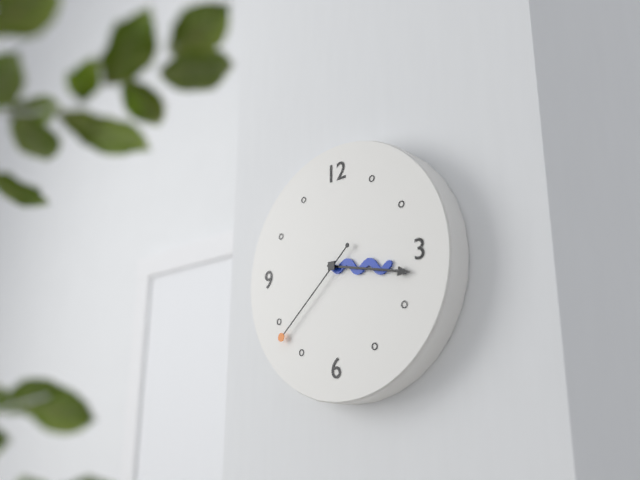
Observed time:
3:17:38
